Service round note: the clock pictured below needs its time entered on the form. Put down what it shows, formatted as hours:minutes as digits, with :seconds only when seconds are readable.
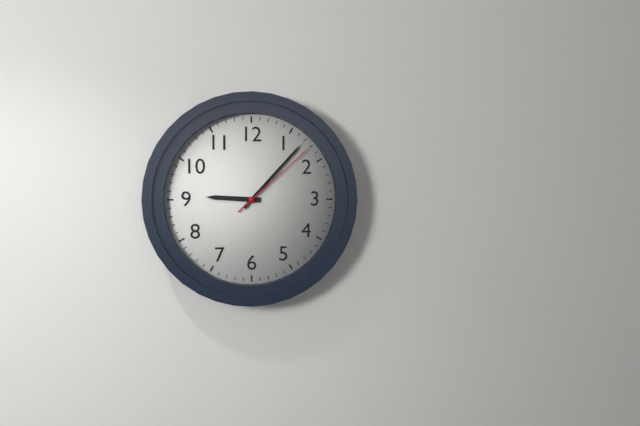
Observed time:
9:07:08
